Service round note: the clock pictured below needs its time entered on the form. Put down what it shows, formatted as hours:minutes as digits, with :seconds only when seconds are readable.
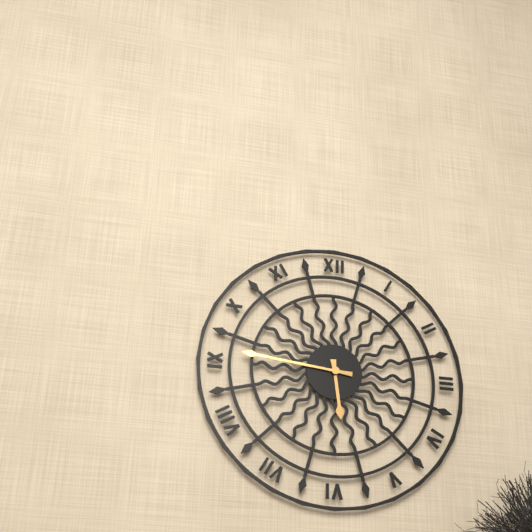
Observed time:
5:46
